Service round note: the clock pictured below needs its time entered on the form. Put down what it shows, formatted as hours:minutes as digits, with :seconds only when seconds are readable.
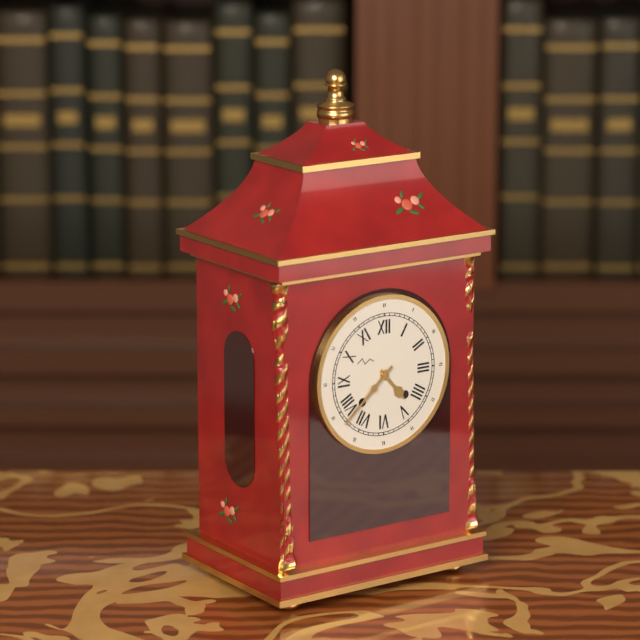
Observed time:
4:38
